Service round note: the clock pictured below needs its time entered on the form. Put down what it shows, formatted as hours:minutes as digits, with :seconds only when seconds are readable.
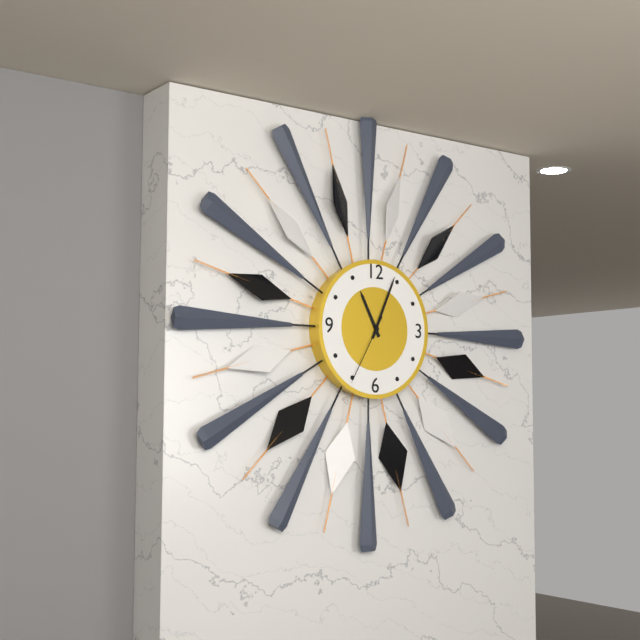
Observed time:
11:04:35
